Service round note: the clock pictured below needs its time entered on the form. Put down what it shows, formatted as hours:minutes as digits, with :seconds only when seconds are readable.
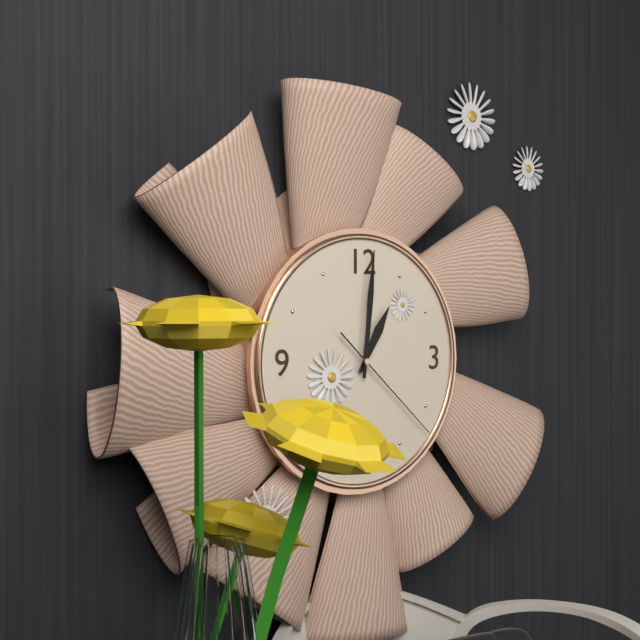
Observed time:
1:01:22
